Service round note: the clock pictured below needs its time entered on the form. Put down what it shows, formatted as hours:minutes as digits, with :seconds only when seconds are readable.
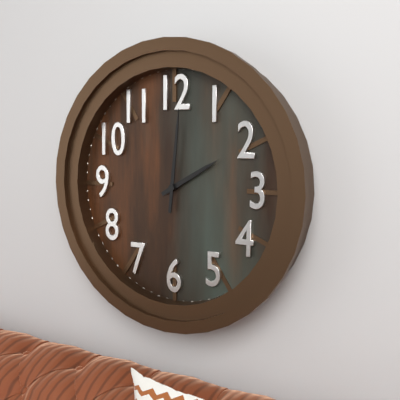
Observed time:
2:01
